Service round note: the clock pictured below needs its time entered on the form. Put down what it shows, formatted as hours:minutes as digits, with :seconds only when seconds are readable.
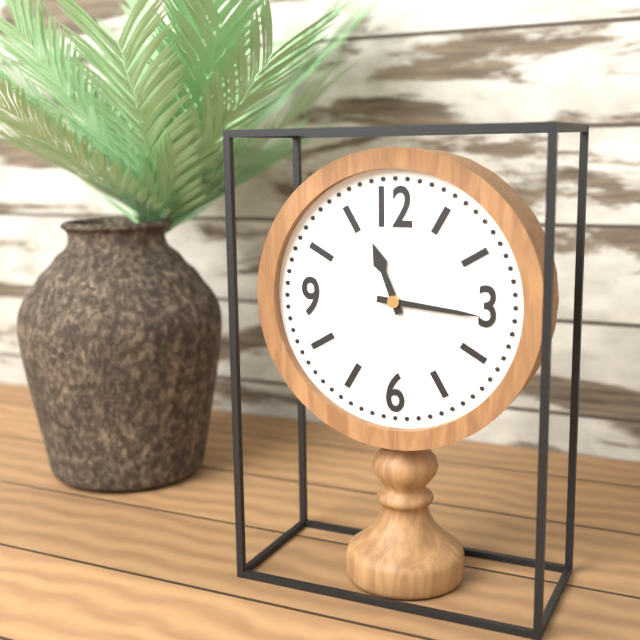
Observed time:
11:16
